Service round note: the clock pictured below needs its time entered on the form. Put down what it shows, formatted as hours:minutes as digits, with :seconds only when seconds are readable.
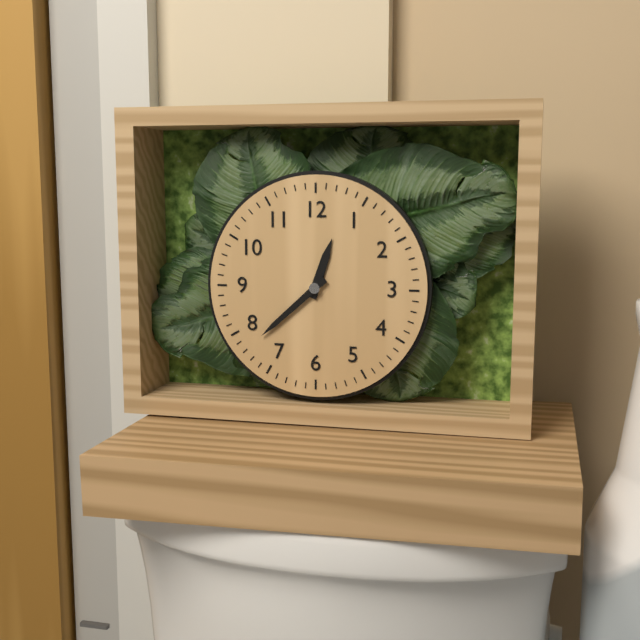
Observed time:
12:38
